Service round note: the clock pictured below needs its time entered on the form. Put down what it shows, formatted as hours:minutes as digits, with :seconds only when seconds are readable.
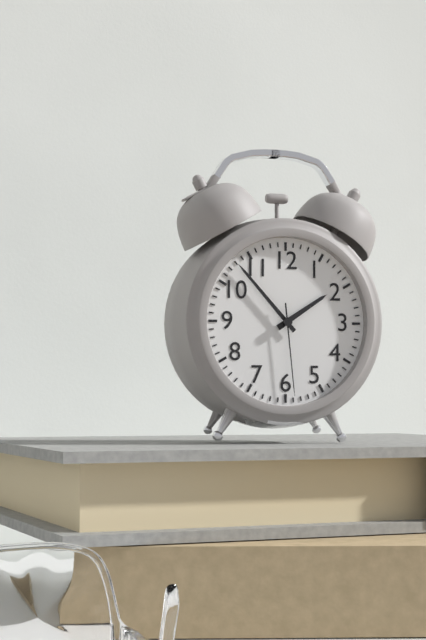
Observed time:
1:53:29
